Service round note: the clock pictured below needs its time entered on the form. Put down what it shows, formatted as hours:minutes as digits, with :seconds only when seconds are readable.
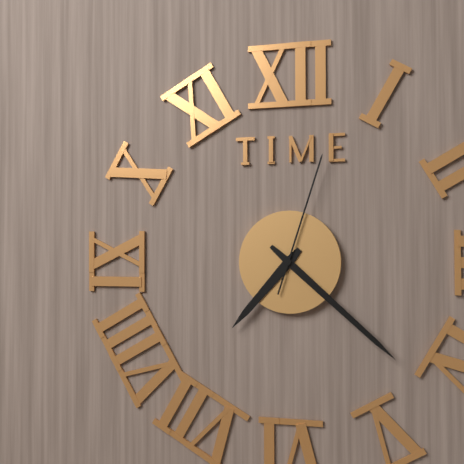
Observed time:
7:22:03
